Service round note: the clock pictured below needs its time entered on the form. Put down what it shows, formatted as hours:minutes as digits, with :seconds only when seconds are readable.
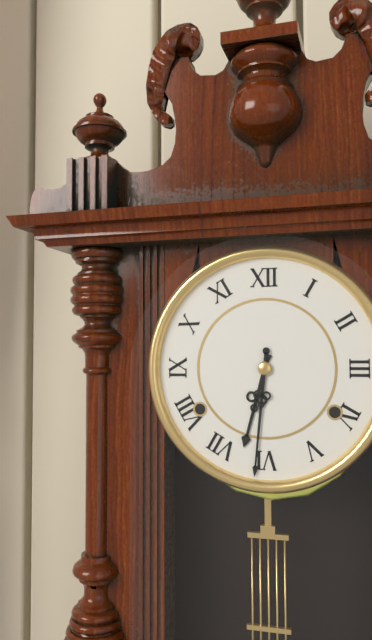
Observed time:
6:31
